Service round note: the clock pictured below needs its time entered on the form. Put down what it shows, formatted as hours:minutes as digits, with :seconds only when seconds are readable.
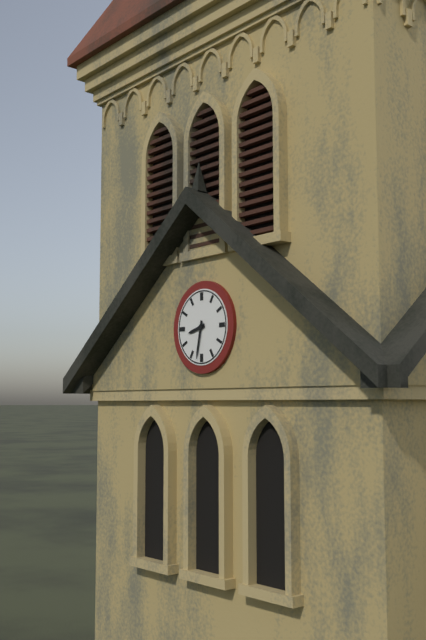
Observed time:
8:32
